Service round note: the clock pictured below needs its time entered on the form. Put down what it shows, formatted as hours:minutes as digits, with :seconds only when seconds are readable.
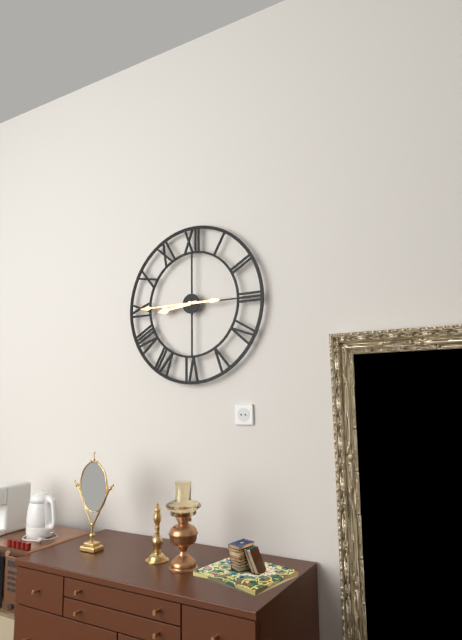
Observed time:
8:45
